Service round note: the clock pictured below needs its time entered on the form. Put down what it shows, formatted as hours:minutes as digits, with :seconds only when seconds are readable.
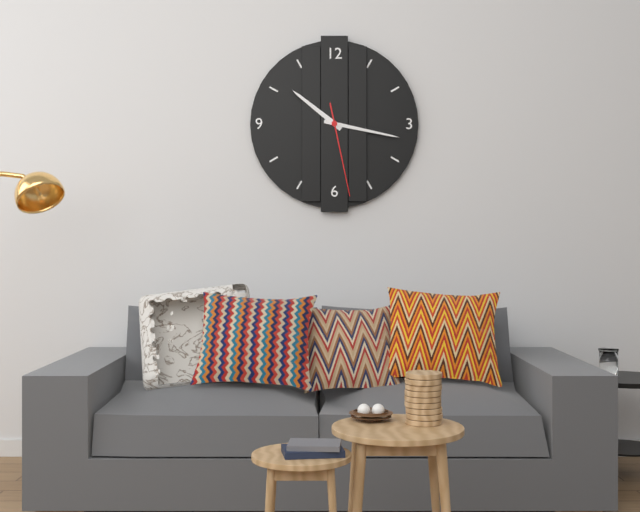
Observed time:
10:17:28
